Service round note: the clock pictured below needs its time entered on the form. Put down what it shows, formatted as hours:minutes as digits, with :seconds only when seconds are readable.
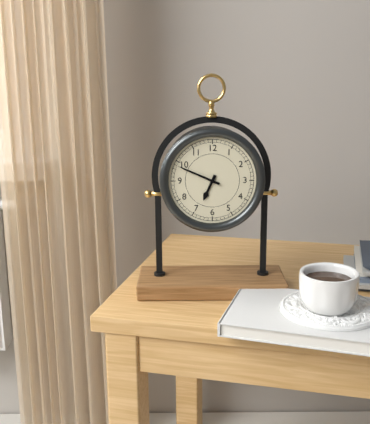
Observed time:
6:49
